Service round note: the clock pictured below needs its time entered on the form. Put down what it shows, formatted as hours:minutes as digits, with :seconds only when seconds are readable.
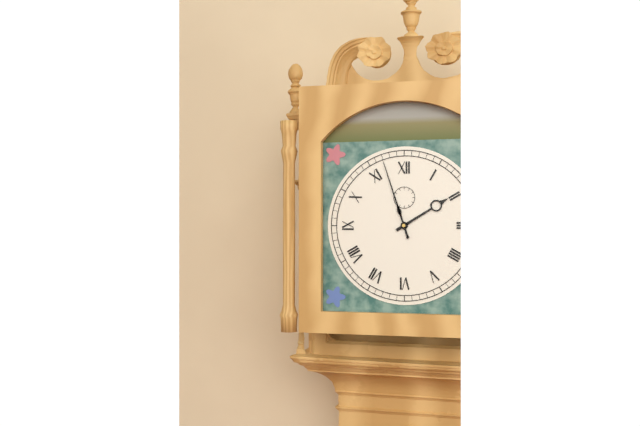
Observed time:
1:57
